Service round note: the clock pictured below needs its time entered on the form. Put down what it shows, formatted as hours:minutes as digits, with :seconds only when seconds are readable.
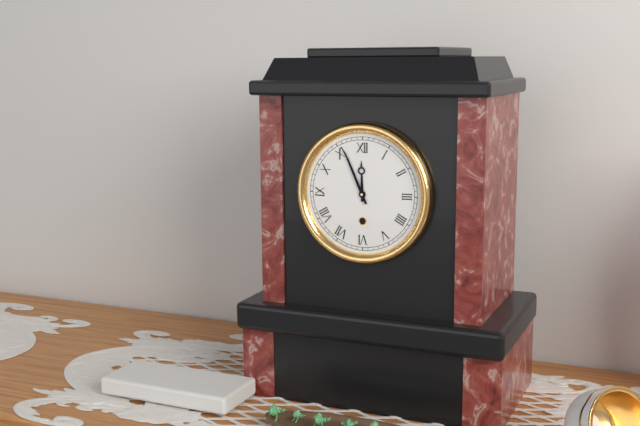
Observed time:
11:56
